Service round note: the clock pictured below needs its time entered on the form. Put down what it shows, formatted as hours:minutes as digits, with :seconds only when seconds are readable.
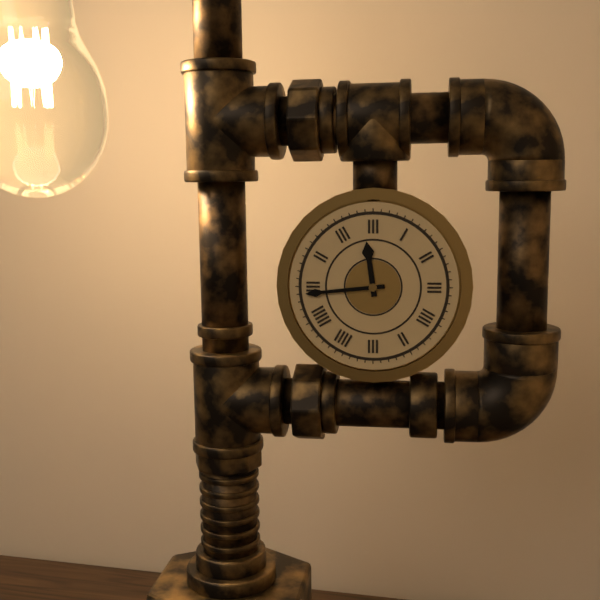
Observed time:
11:44
